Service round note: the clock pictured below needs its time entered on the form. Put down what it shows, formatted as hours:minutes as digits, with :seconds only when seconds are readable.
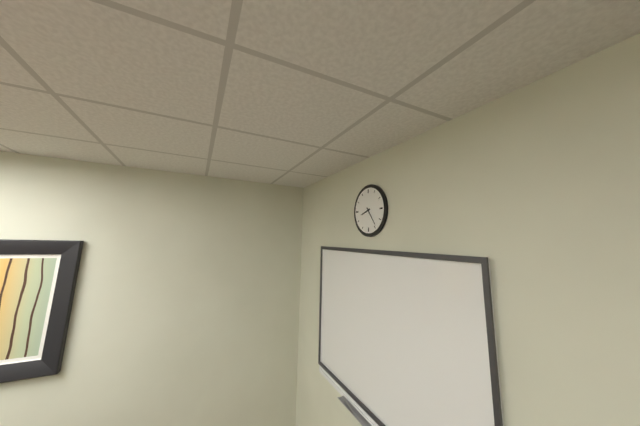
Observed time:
8:24
